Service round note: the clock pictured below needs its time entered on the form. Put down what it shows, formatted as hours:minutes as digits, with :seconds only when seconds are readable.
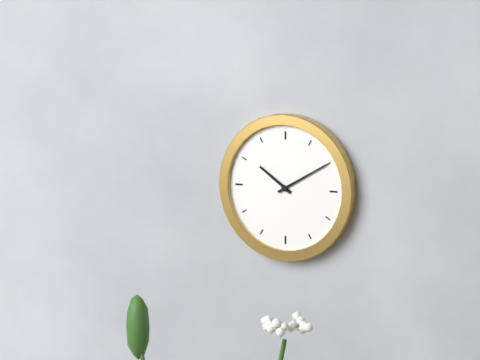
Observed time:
10:10
